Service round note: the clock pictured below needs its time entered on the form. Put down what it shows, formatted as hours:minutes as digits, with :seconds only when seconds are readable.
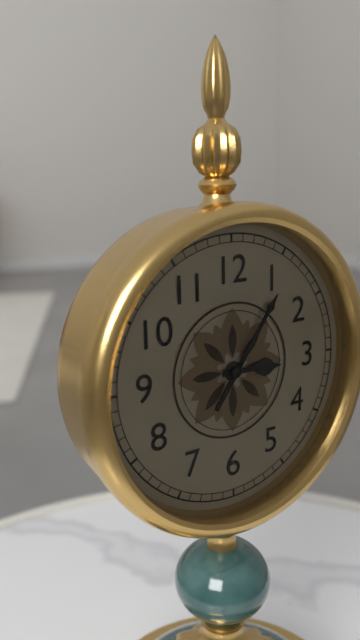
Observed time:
3:06
